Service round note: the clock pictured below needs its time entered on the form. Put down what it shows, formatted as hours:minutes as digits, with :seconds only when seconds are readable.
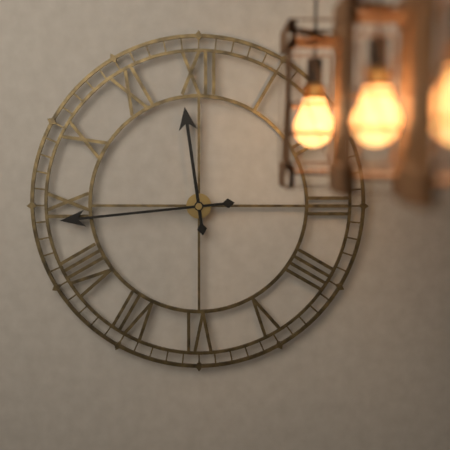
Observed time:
11:44
